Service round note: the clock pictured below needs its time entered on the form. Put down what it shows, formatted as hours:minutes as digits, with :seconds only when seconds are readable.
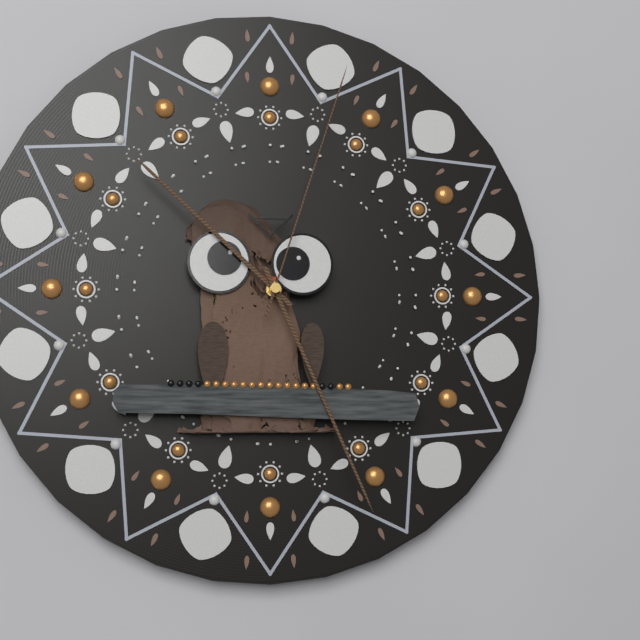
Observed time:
10:26:03
